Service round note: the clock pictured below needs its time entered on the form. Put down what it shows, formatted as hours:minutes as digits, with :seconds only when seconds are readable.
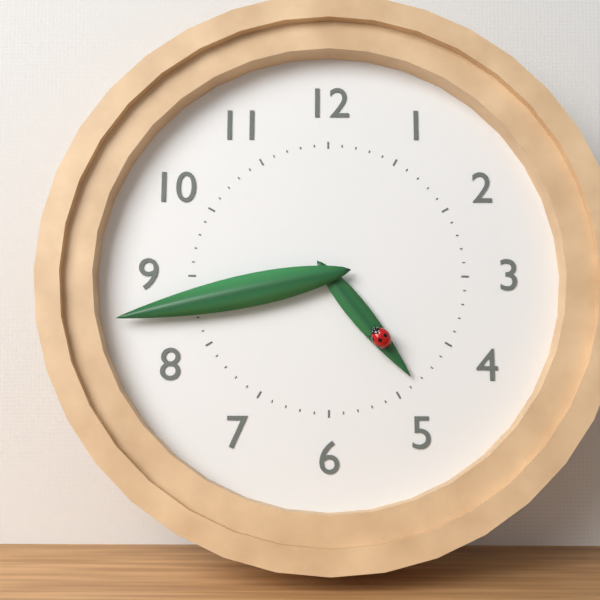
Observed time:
4:43
